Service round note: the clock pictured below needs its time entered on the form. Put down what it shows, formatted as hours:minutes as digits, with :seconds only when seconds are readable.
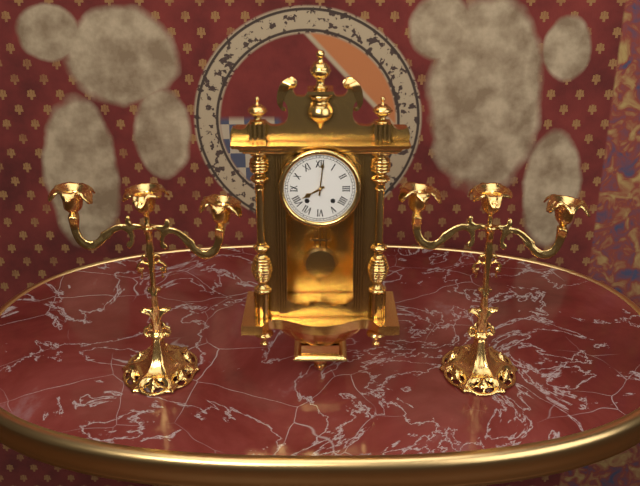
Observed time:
8:01
